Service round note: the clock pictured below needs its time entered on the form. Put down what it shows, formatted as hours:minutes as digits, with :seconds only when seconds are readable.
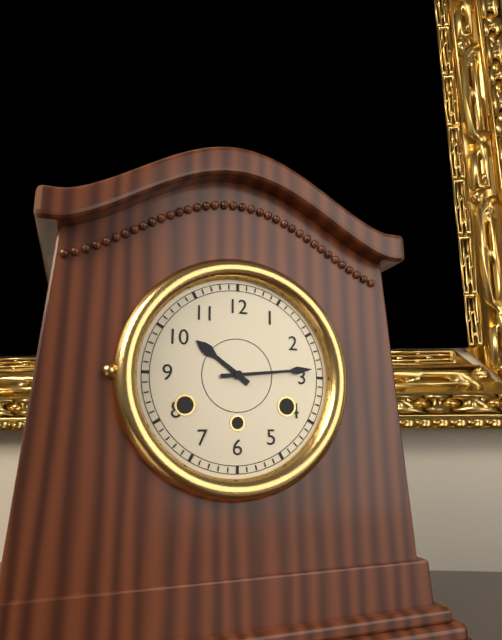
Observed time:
10:14
